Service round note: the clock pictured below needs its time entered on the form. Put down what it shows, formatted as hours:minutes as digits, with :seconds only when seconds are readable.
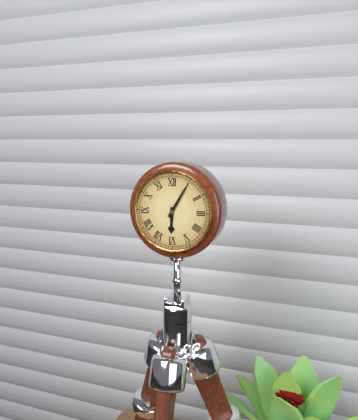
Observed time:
6:05
